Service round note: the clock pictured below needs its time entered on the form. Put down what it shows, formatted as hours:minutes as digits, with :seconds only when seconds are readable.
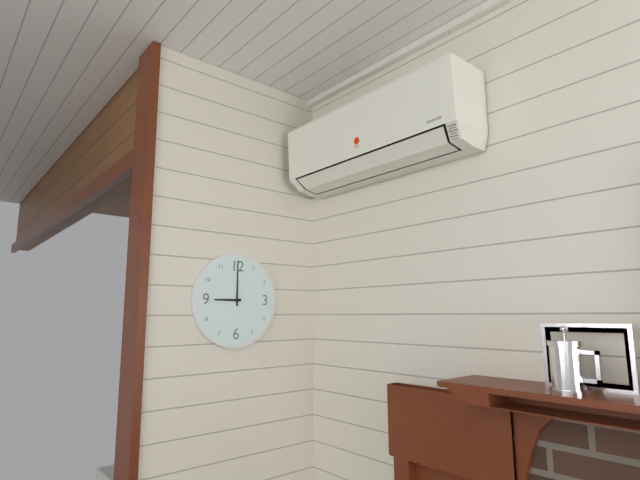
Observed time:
9:00
